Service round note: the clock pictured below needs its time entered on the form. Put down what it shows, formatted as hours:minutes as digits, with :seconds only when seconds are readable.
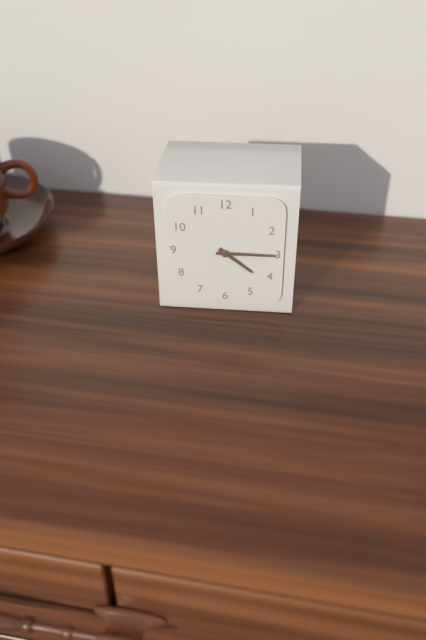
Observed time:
4:15
